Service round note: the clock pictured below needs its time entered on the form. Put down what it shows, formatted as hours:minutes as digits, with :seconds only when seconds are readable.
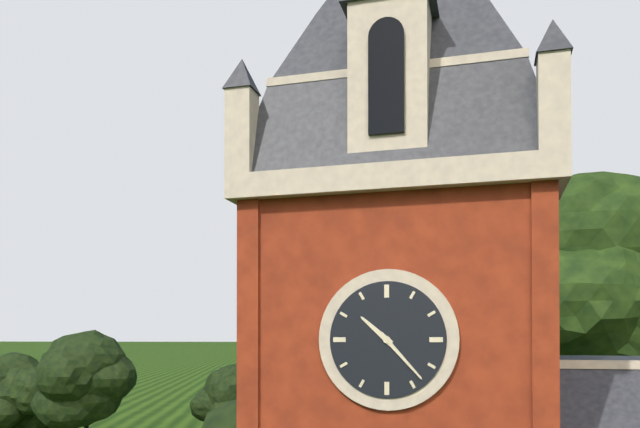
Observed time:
10:23
